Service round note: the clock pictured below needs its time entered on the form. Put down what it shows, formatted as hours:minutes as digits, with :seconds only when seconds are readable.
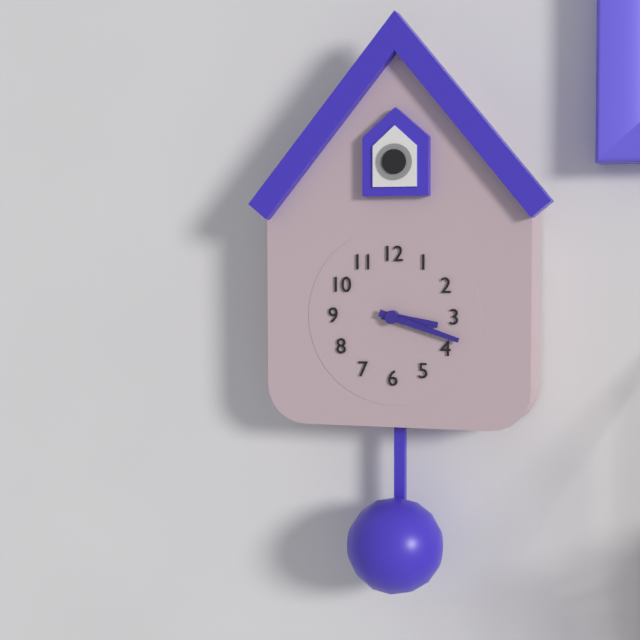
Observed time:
3:18
